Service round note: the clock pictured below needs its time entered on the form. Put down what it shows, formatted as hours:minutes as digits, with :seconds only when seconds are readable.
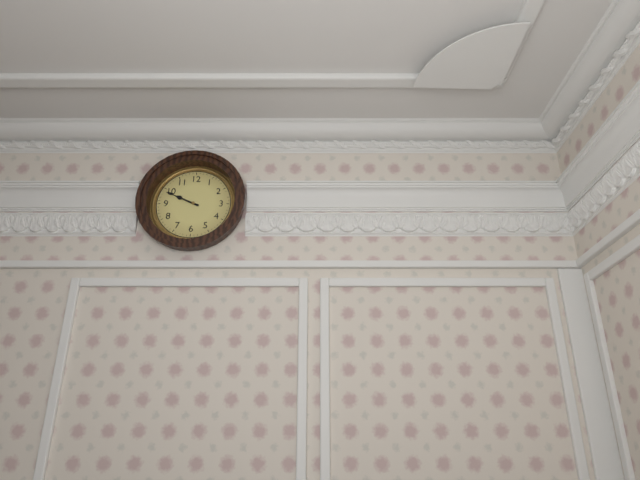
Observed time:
9:49
